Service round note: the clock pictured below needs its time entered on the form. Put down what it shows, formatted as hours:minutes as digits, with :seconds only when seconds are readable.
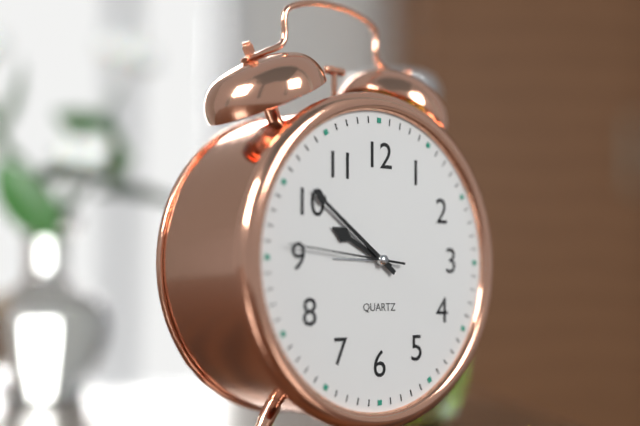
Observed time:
9:51:46
